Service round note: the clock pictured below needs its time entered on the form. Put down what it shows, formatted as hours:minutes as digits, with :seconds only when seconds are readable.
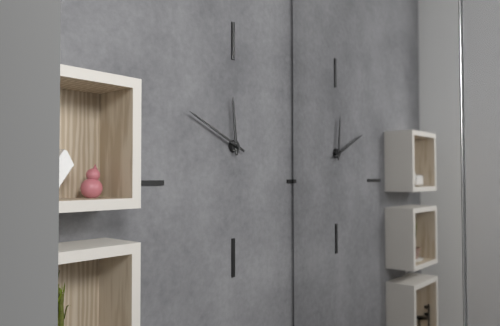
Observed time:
11:49
